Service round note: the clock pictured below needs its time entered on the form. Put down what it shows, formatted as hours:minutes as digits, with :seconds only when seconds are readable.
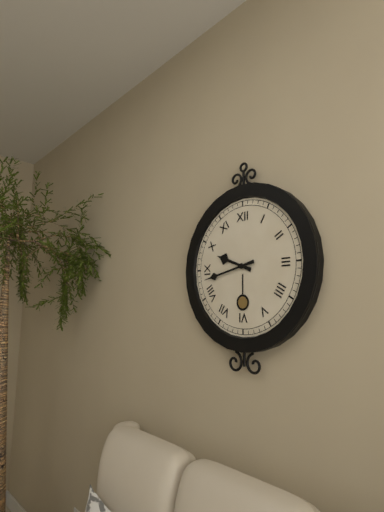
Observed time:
9:43
